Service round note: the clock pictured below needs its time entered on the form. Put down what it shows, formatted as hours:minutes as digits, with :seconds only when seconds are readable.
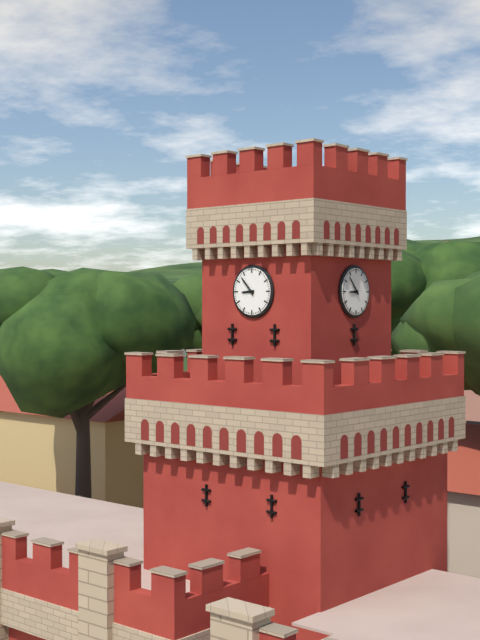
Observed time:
8:53
